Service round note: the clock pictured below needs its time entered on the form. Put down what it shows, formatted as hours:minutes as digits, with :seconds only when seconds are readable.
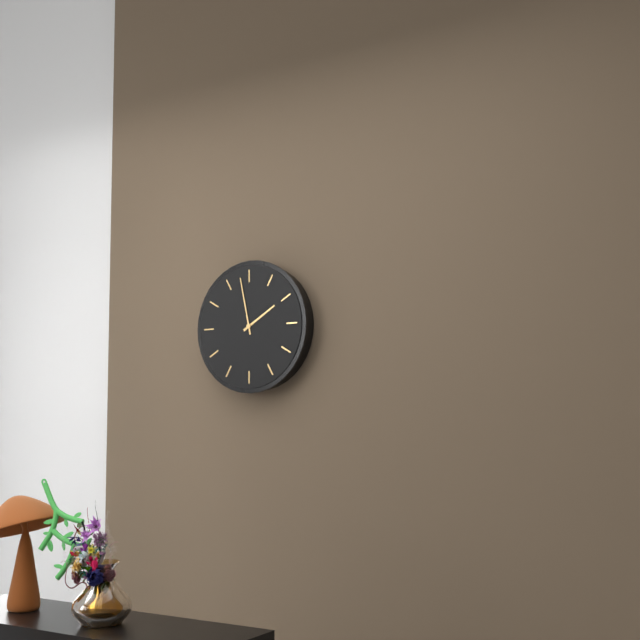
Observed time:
1:58
